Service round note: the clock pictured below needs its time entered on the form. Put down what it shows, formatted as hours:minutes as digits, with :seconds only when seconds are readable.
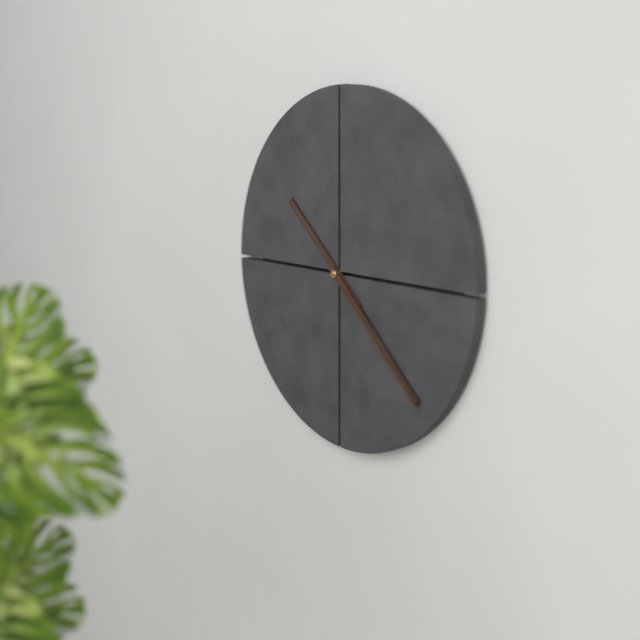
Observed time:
10:22
